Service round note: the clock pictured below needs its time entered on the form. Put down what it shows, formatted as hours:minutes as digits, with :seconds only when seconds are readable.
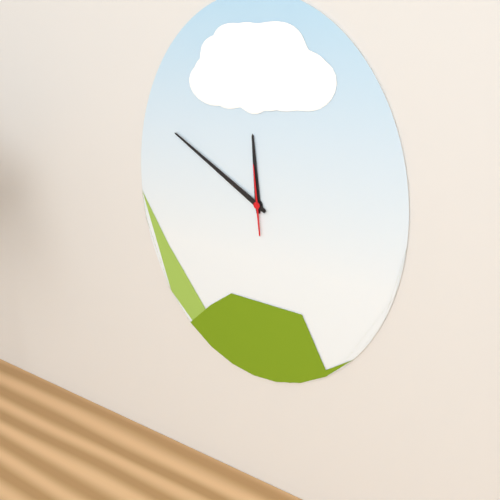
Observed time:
11:50:59
